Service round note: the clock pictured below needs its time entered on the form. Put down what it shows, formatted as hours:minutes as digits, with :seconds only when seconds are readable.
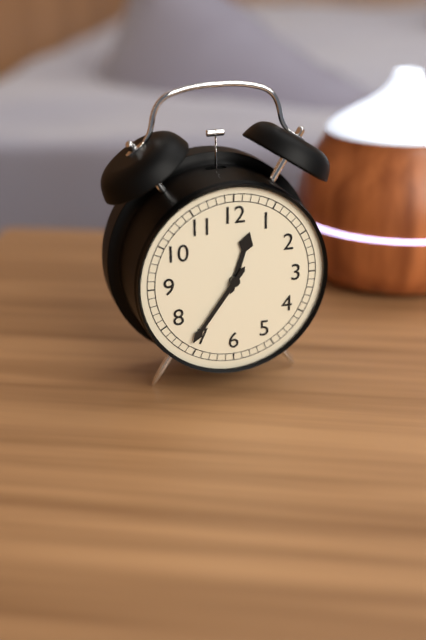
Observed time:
12:36
